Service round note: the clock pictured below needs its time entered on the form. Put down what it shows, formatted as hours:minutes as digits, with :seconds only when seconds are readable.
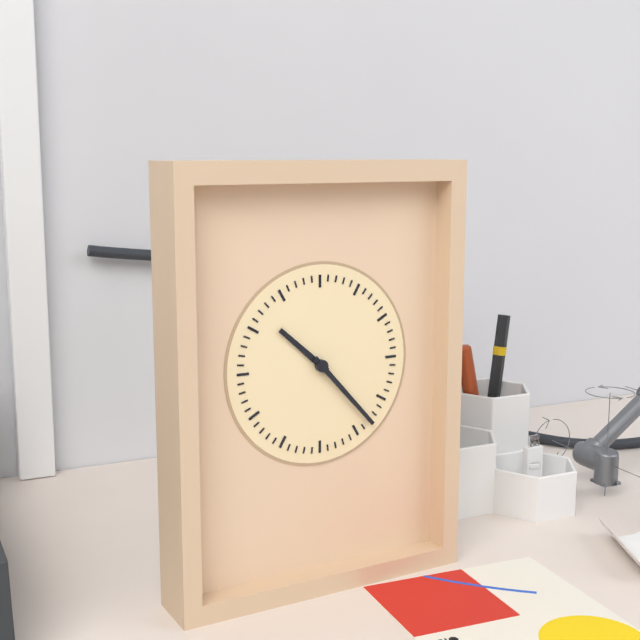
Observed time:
10:23
